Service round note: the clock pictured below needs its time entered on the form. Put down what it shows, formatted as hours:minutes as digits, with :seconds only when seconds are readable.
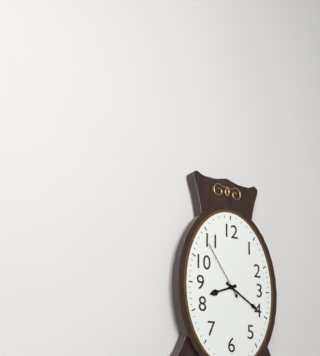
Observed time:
8:20:54
